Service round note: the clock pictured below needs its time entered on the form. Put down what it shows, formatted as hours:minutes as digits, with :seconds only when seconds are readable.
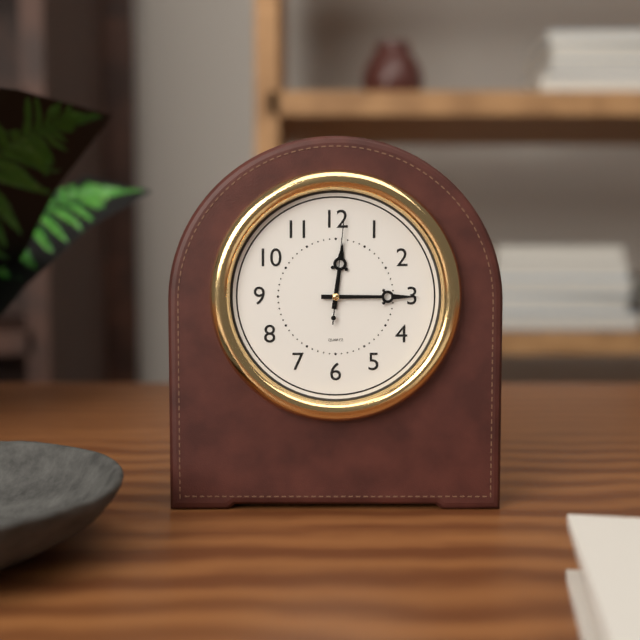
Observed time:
12:15:01
